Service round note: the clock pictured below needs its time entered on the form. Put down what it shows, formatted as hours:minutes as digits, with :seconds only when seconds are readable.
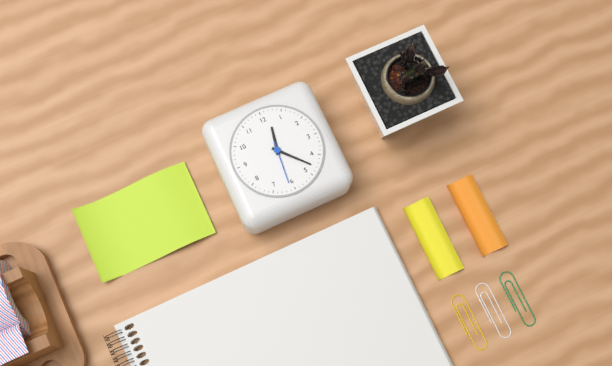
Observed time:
12:23
